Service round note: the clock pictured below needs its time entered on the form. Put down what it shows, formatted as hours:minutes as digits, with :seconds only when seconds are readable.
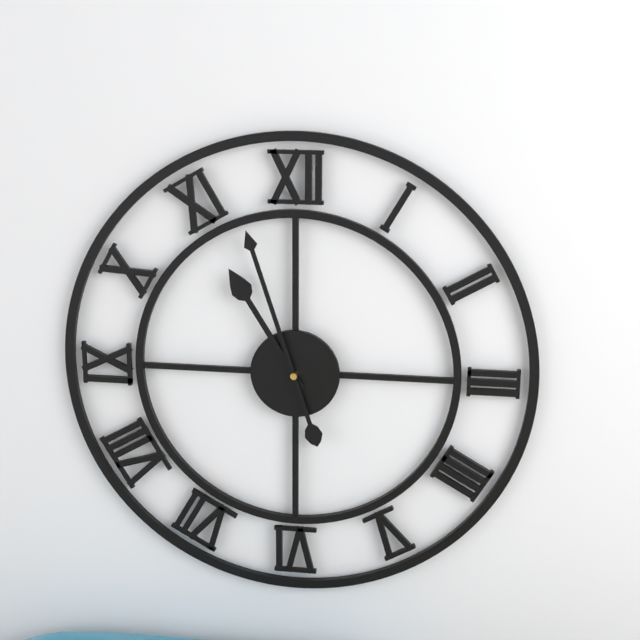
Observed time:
10:57
